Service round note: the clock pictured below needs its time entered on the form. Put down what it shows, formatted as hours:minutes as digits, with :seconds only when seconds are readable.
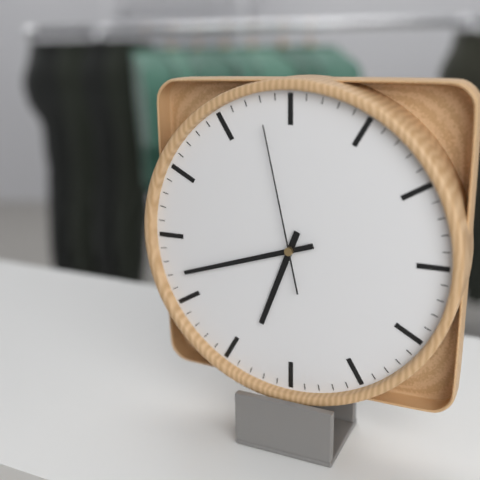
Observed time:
6:42:58
